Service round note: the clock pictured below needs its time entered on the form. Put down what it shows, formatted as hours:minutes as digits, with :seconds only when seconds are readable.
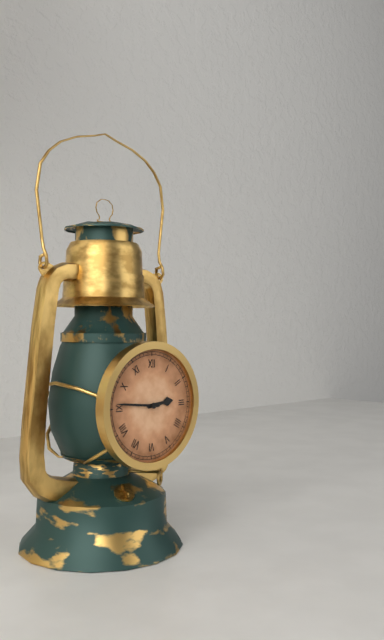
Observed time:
2:46
